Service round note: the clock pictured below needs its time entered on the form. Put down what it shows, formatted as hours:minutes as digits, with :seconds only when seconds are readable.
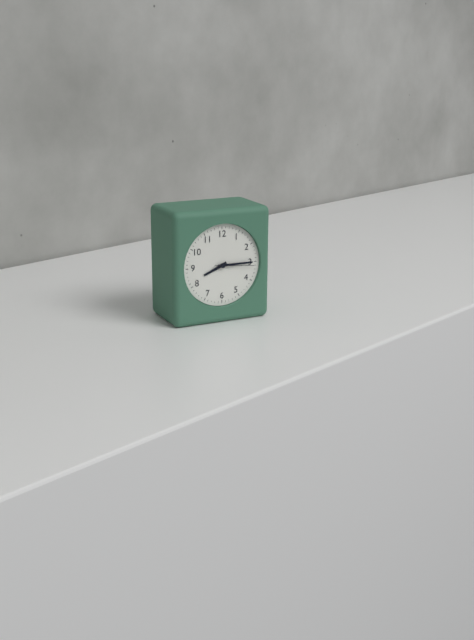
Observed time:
8:15:16
